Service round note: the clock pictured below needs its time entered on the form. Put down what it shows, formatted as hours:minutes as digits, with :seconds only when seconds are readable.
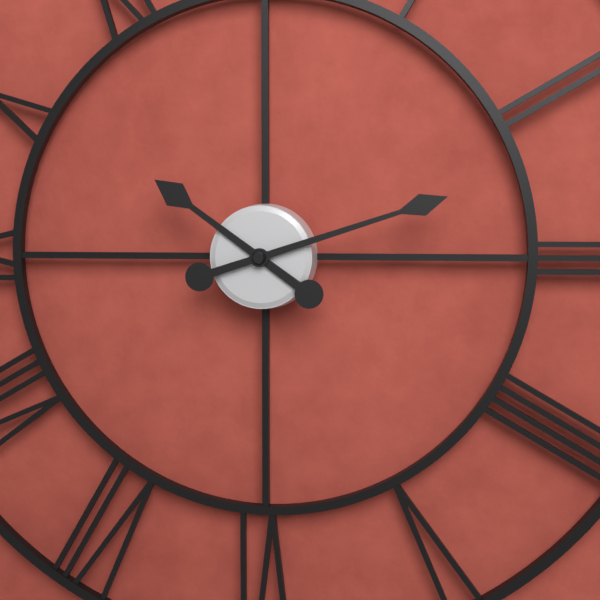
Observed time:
10:12
